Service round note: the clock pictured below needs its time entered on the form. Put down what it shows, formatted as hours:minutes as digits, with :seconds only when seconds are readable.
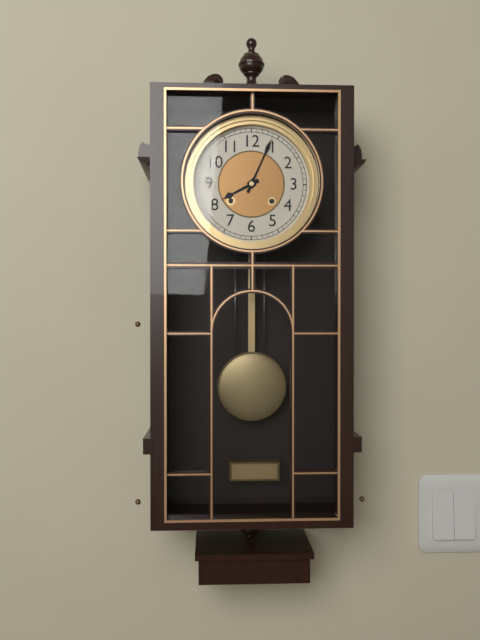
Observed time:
8:04
